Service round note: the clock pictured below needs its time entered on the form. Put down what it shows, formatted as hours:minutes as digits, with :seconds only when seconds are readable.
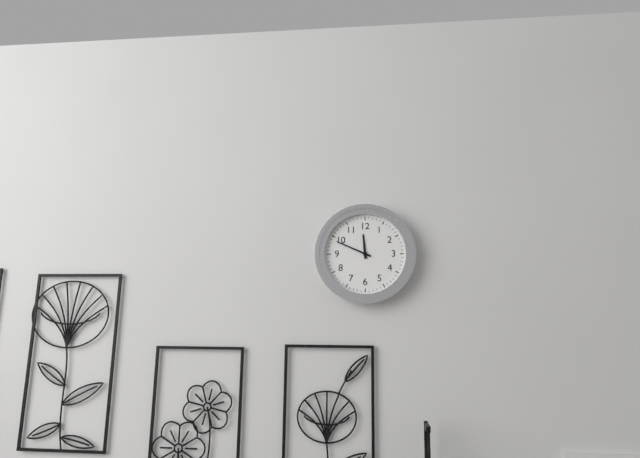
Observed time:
11:49
